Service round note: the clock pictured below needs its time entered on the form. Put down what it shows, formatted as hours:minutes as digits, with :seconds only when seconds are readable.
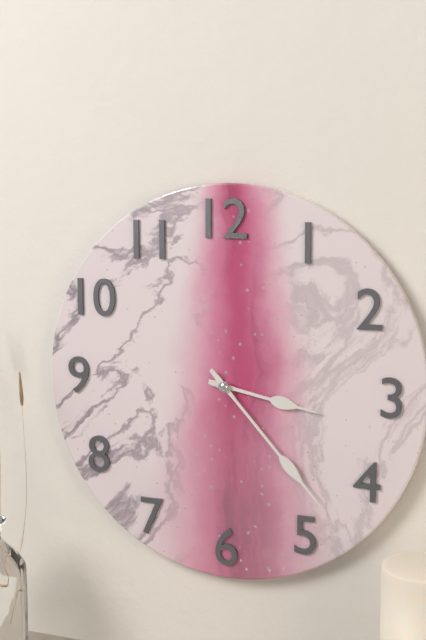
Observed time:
3:23
